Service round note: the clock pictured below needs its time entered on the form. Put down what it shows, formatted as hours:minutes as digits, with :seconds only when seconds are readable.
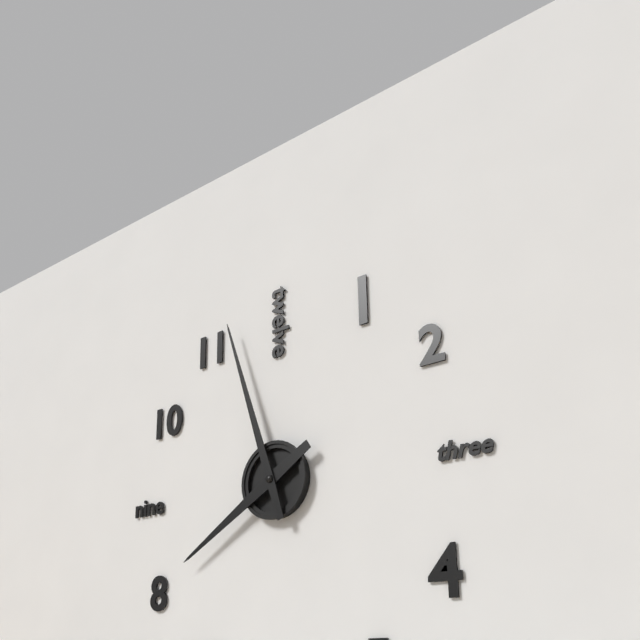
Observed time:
7:57
